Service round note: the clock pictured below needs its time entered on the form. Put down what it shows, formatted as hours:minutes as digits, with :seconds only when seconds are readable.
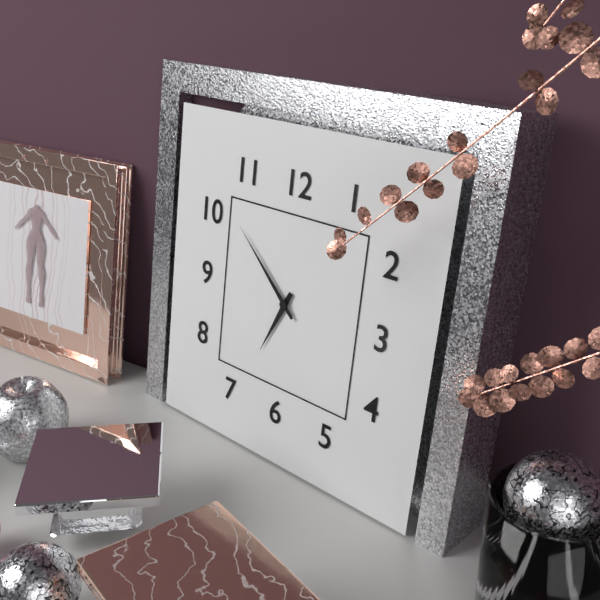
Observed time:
6:52
